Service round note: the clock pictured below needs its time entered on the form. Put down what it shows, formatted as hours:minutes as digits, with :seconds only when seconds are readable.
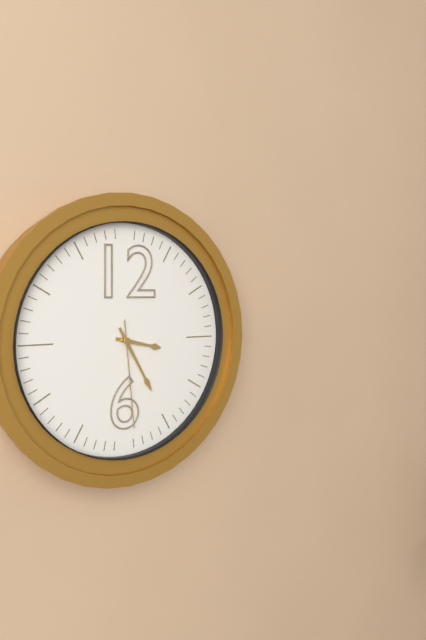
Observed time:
3:25:29
